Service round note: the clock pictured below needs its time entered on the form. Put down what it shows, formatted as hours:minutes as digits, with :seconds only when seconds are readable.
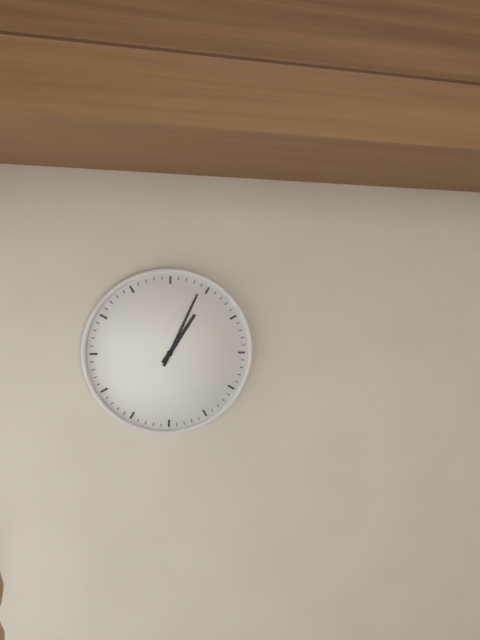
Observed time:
1:04
